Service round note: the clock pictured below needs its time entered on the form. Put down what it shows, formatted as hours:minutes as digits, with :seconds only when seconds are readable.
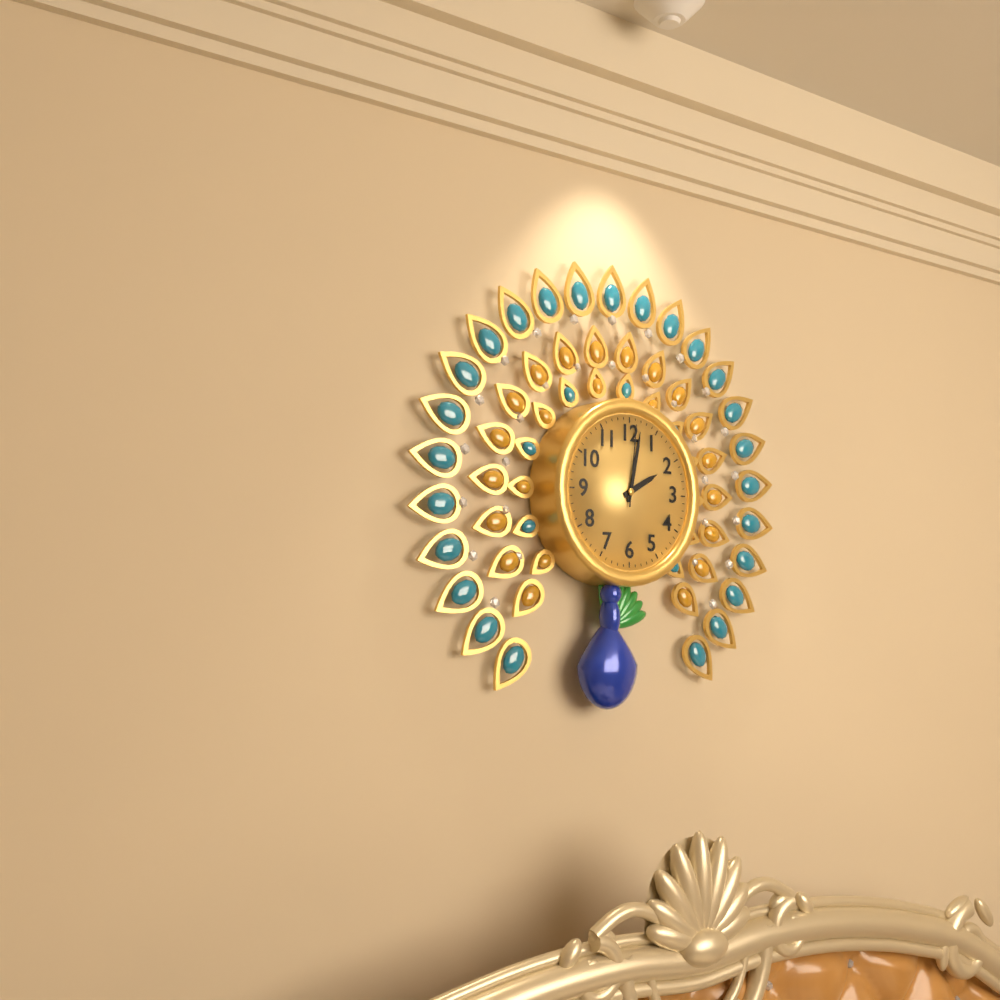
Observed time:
2:02:01
